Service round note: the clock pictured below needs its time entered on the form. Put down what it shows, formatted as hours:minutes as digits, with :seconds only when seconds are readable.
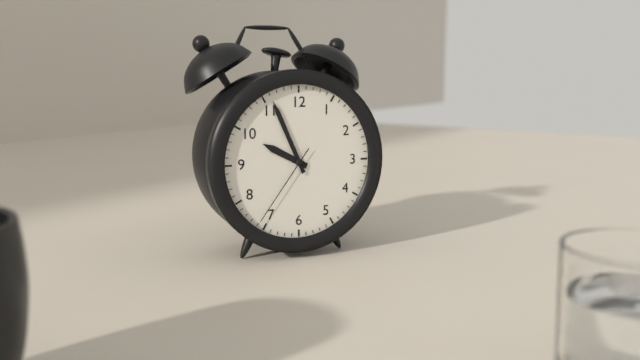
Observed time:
9:56:36
